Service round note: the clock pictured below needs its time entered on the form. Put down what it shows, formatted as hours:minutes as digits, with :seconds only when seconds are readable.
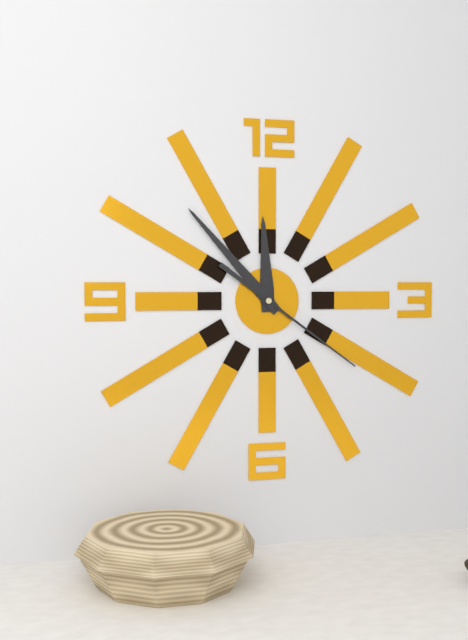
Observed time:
11:53:21
